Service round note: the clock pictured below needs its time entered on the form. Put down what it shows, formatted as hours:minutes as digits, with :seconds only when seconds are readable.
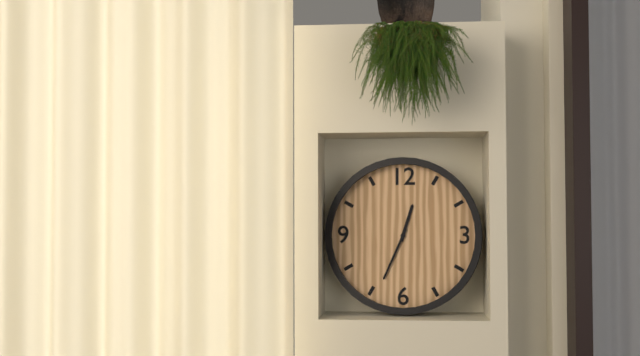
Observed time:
12:34
